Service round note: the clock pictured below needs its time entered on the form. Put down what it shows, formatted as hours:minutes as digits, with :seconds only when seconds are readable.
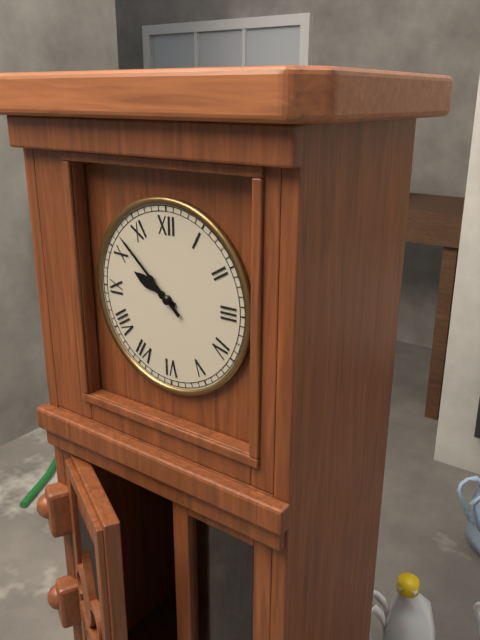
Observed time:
9:52
